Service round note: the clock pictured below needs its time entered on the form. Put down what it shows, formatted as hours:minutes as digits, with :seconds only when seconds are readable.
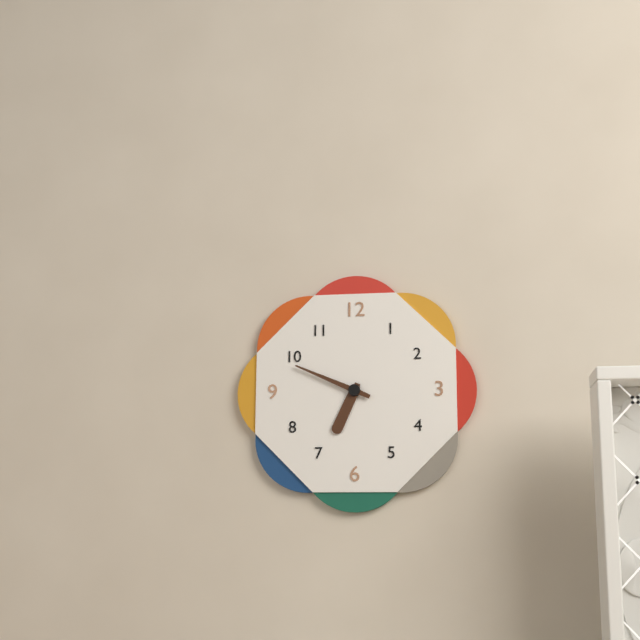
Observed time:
6:49
